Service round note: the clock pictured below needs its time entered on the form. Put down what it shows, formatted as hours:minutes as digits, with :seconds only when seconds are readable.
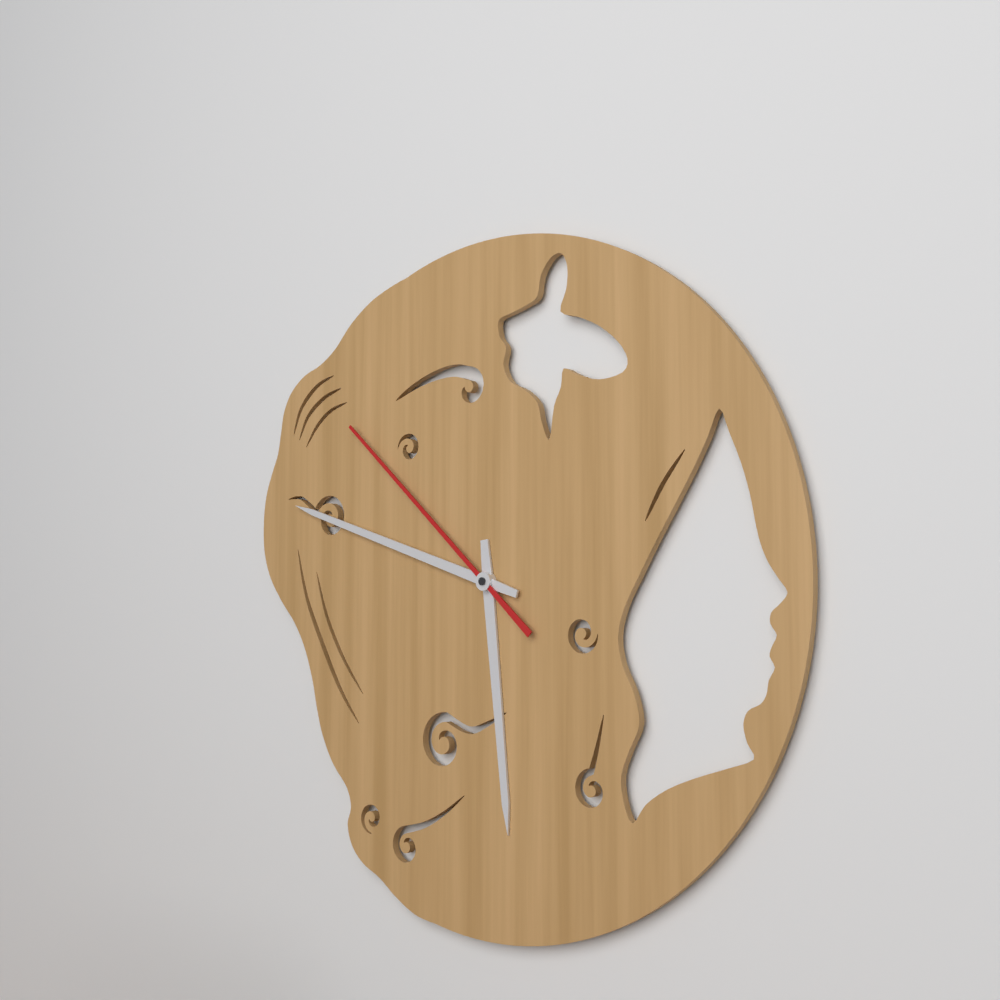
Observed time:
5:48:52
